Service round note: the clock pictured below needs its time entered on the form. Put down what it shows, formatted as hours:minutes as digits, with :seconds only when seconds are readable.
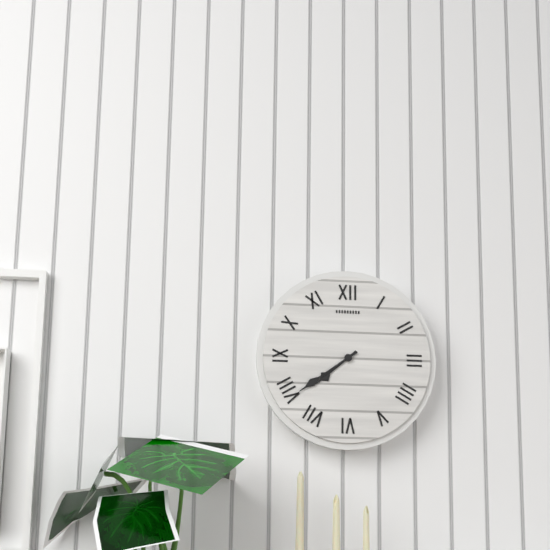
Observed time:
7:39
